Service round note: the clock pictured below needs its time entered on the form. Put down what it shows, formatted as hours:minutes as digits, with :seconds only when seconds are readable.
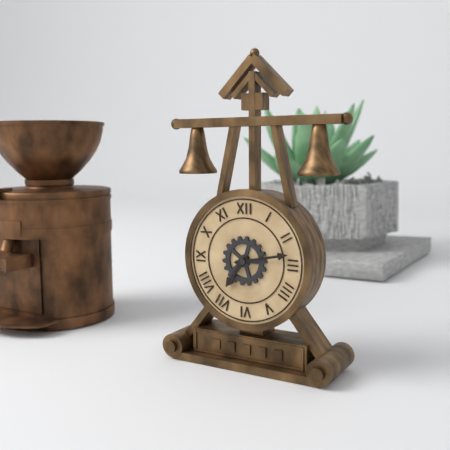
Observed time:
7:13
